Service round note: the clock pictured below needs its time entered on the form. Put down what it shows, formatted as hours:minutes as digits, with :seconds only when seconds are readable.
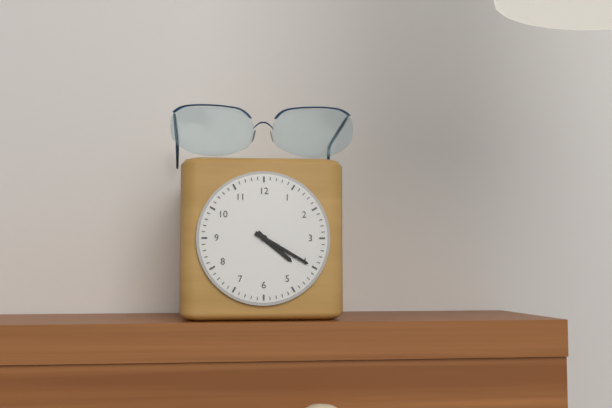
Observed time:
4:20
